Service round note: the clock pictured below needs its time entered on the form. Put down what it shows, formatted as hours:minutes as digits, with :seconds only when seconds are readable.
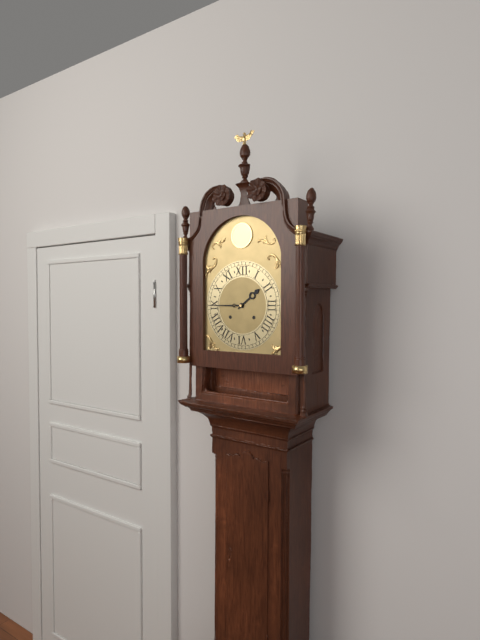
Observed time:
1:45
